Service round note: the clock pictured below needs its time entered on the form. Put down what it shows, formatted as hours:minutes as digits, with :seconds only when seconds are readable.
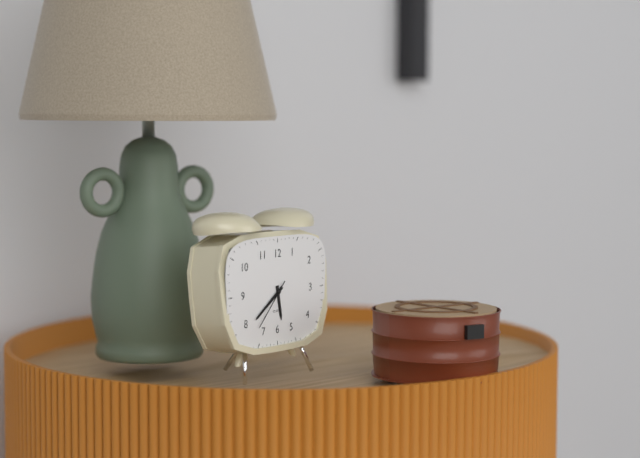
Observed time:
5:39:37
